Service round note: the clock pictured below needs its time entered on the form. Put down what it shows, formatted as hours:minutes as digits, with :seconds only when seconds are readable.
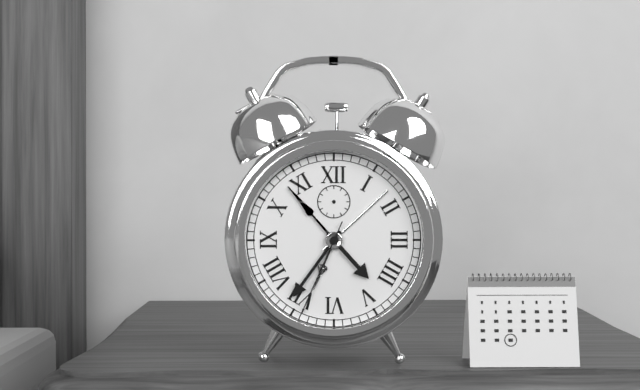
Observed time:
4:36:34
